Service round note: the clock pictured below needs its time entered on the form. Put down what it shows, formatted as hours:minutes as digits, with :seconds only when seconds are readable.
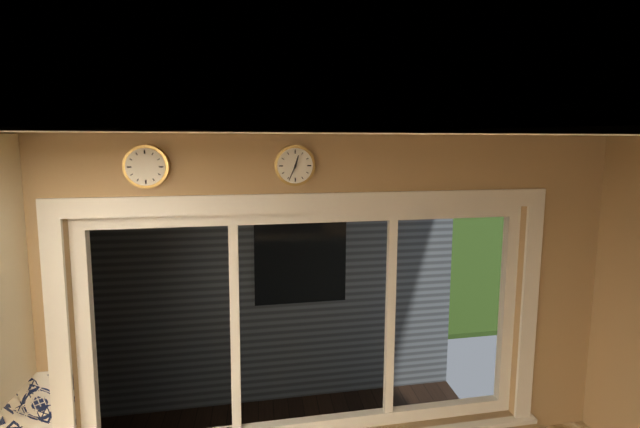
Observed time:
12:34
